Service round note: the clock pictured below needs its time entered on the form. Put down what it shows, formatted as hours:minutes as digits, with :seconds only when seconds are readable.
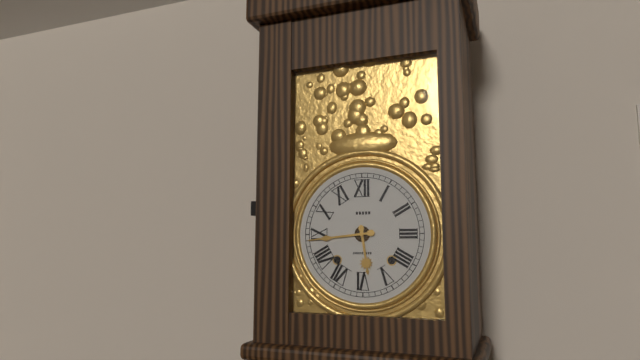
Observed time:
5:44
